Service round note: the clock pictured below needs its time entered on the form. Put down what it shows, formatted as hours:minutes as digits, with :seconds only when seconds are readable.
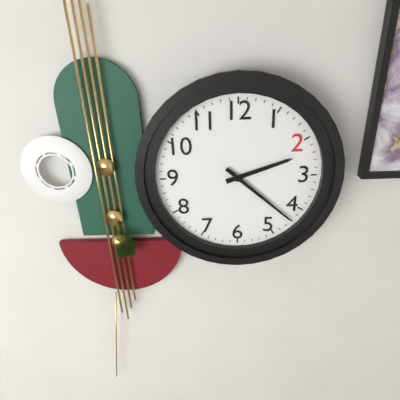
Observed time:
2:22
